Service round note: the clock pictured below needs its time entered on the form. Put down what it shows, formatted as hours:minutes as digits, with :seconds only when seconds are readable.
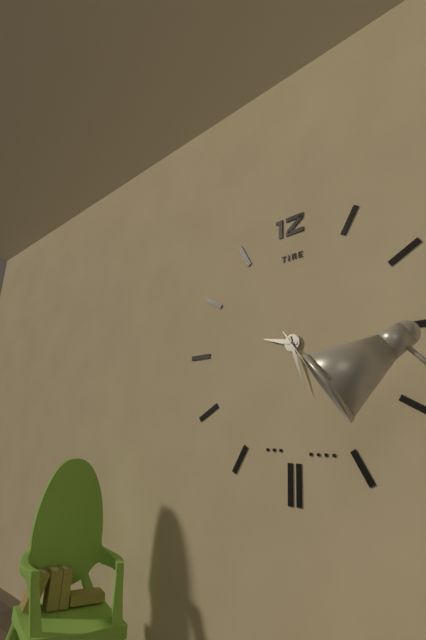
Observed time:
9:27
